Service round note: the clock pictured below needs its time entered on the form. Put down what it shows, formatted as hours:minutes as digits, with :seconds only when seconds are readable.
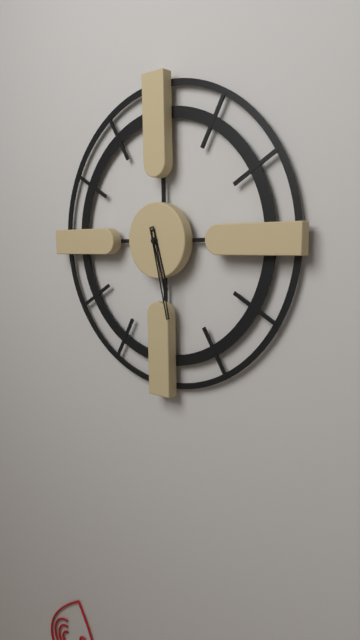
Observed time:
5:28
